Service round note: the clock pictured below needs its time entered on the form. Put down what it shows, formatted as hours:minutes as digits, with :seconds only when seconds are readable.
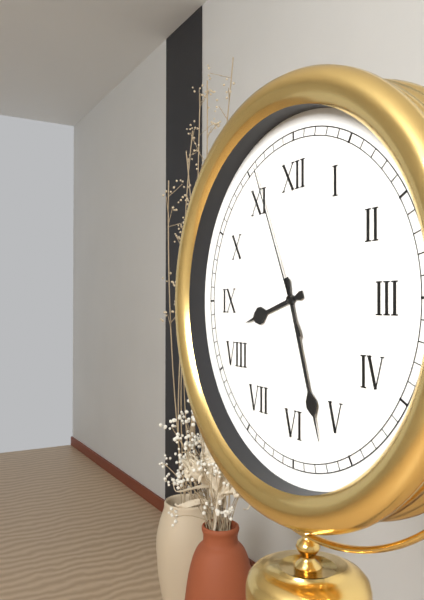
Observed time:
8:27:56
